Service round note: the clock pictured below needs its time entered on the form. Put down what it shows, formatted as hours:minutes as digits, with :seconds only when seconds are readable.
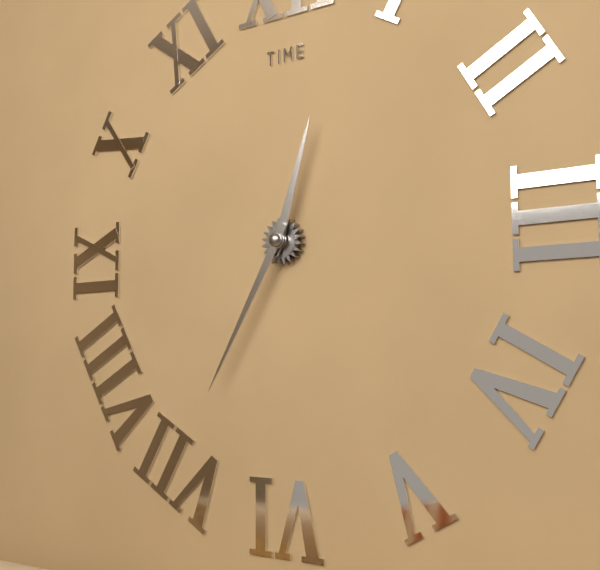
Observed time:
12:35
